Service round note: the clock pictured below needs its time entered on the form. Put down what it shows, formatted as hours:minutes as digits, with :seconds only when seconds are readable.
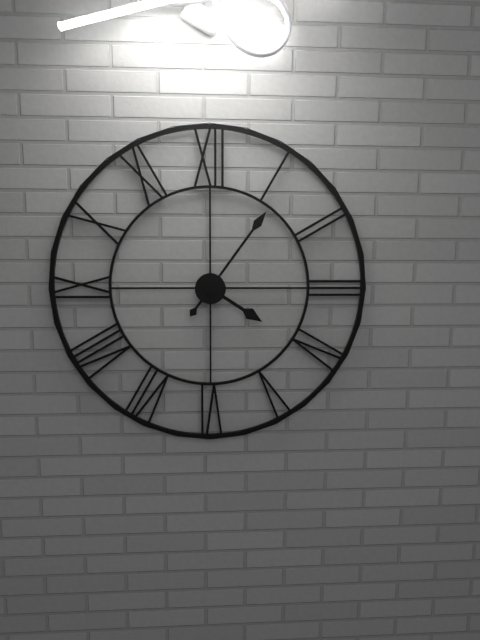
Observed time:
4:06
